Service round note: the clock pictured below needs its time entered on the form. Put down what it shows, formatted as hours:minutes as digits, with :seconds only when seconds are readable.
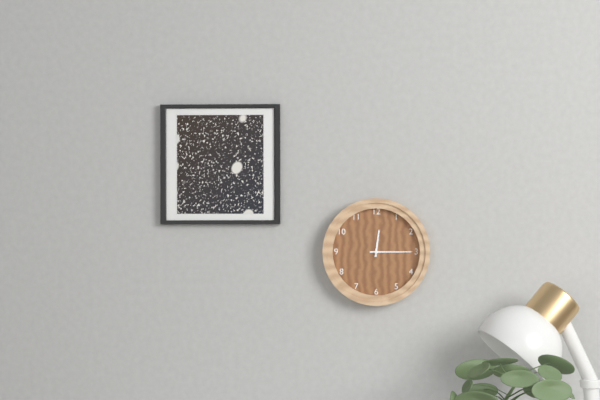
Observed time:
12:15
